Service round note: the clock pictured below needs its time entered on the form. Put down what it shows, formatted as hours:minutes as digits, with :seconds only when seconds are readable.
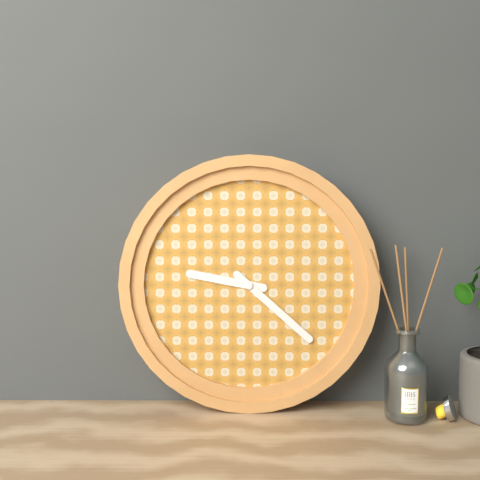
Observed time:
9:22
